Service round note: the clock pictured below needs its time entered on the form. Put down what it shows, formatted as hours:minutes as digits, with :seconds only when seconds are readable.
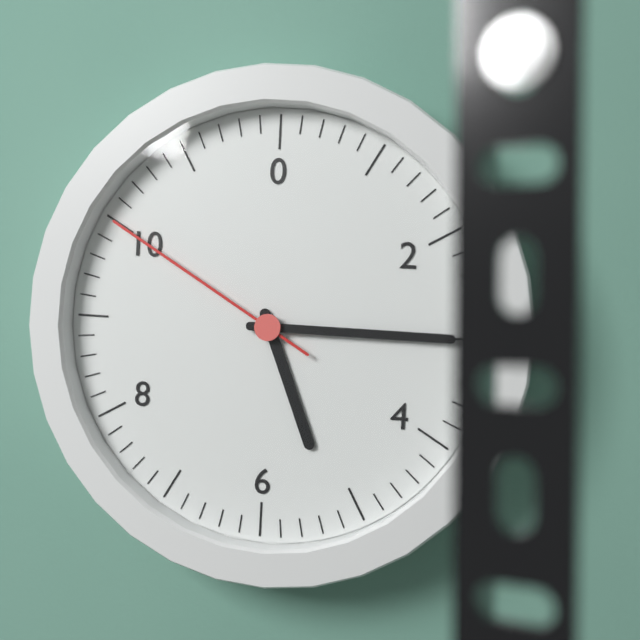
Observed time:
5:15:50
